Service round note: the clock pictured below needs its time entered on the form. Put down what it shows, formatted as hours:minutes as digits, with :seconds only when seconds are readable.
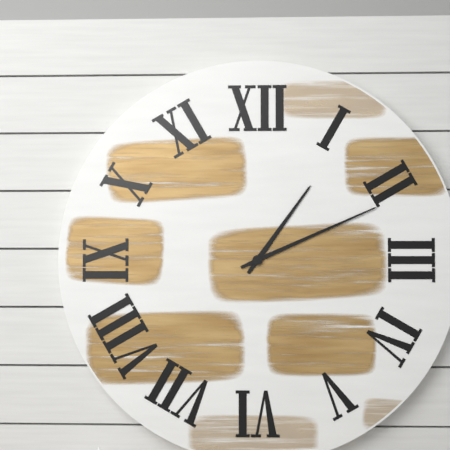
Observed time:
1:11
